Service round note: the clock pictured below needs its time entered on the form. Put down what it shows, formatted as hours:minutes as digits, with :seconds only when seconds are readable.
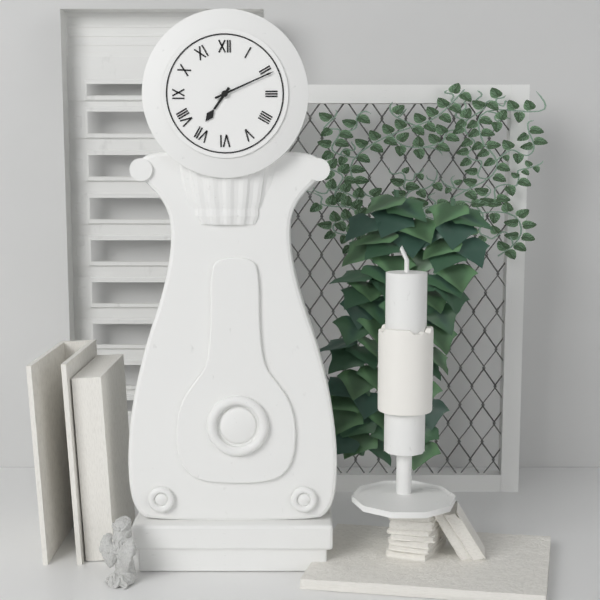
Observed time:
7:11
